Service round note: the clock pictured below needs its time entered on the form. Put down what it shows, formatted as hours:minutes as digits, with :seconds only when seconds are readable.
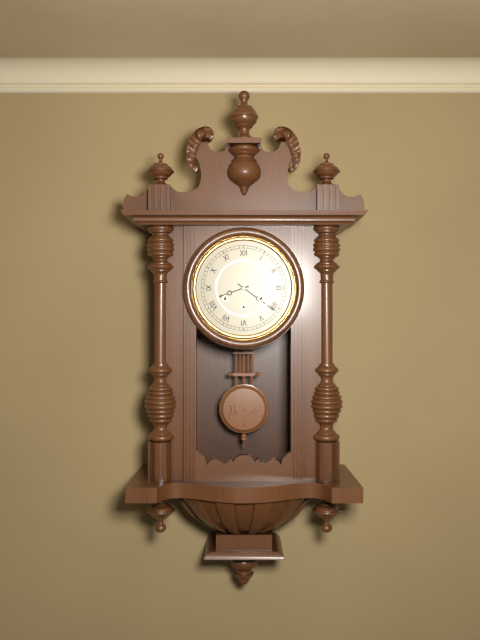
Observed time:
8:21
